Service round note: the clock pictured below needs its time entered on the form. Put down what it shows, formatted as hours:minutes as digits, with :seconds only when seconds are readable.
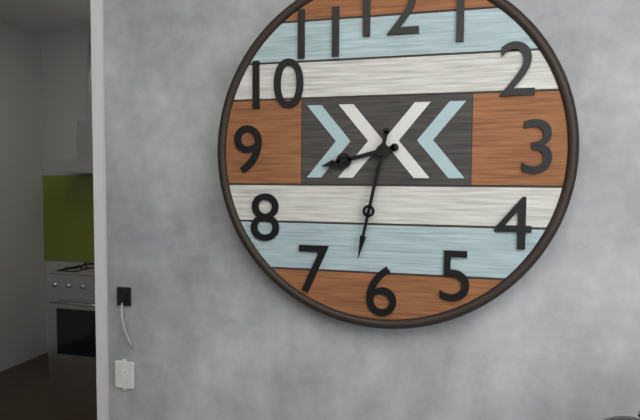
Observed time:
8:32
